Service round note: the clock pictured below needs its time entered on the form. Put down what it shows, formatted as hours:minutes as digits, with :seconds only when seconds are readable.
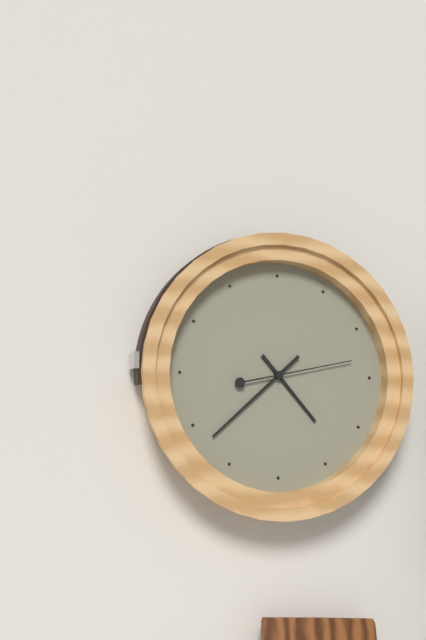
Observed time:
4:38:13
